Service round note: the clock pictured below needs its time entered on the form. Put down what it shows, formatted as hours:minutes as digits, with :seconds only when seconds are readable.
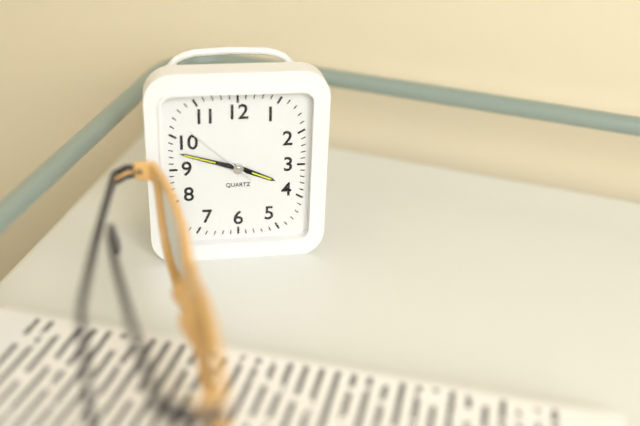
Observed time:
3:48:52
